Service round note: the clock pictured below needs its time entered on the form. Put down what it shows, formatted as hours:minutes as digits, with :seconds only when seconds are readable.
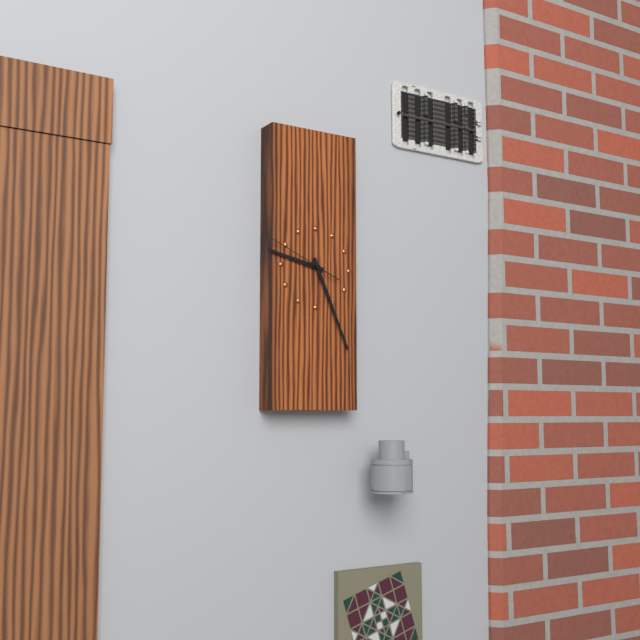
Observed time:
9:26:49
